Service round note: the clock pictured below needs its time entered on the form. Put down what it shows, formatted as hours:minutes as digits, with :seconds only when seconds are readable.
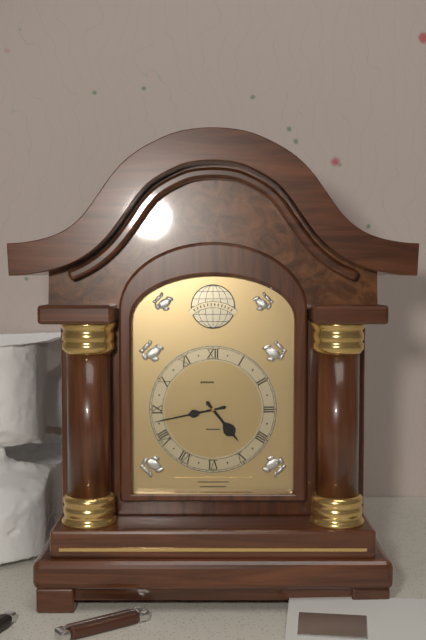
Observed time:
4:43
